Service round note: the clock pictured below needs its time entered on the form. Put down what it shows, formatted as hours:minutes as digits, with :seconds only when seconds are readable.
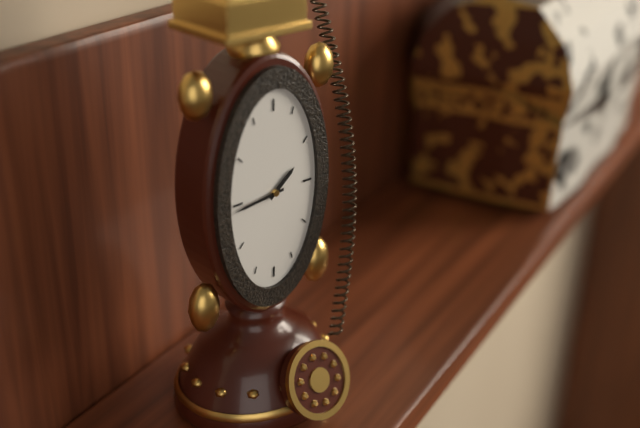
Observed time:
1:44
